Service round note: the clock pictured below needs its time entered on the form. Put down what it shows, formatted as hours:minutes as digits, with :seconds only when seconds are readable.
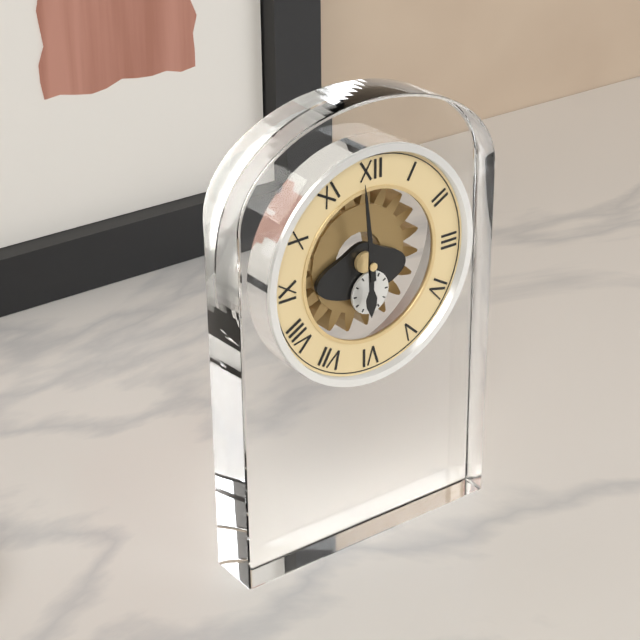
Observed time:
5:59
